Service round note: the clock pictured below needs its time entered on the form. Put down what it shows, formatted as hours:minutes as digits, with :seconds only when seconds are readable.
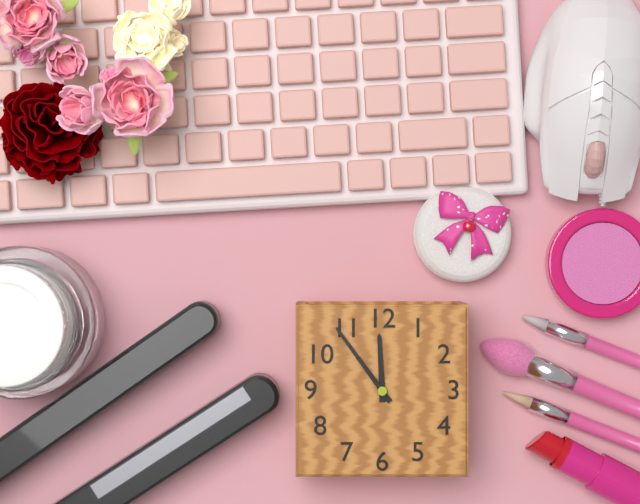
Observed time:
11:54
